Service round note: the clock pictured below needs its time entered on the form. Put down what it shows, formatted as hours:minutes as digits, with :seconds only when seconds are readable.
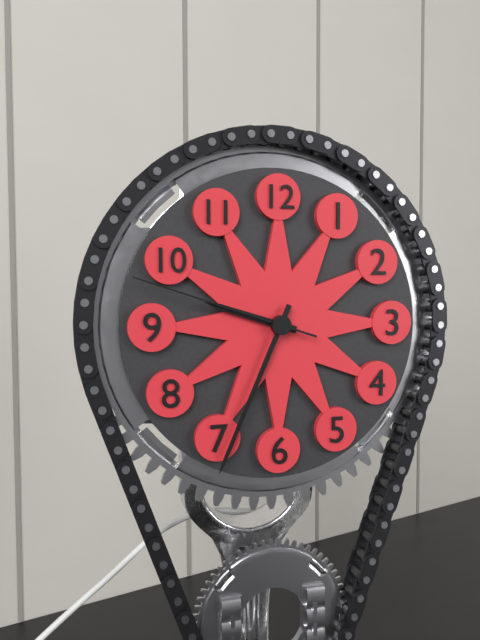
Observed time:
9:34:48
